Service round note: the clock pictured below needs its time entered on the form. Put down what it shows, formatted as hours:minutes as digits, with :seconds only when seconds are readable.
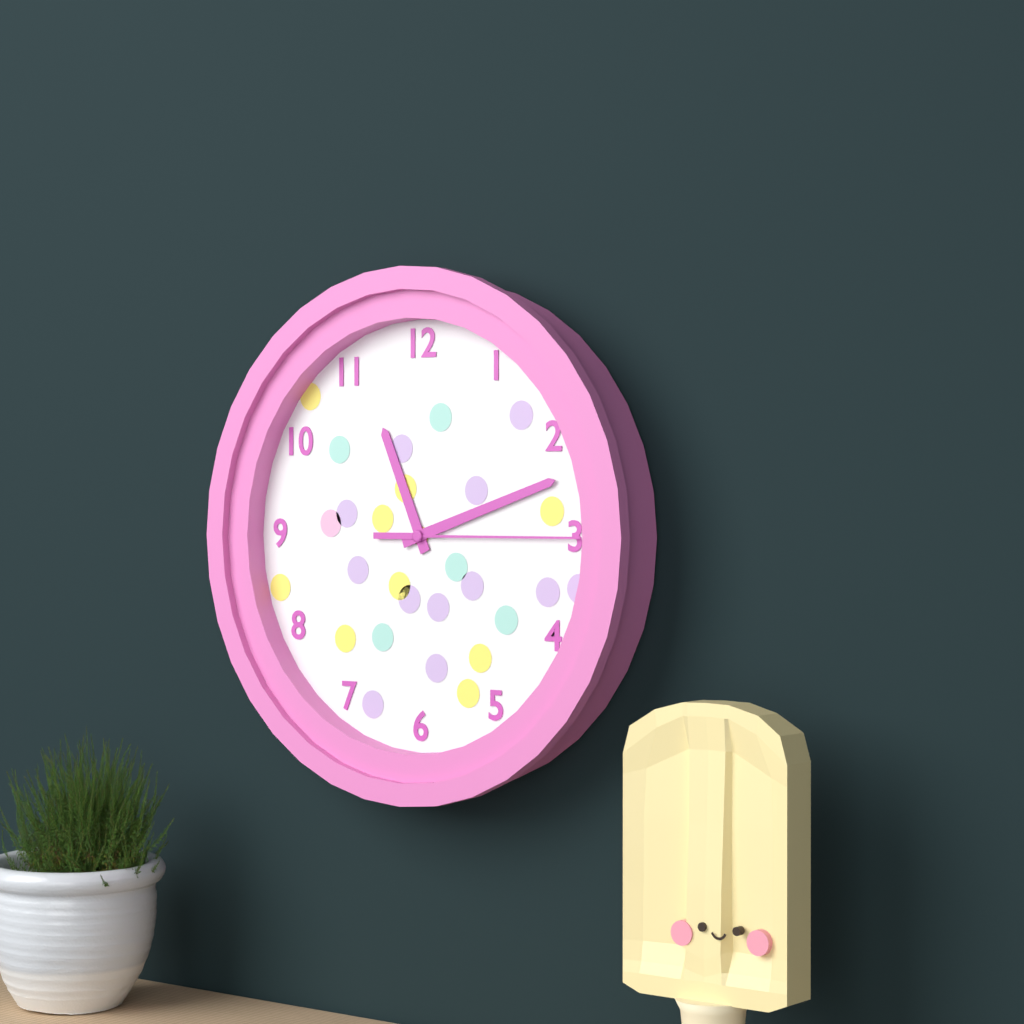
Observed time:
11:12:15
